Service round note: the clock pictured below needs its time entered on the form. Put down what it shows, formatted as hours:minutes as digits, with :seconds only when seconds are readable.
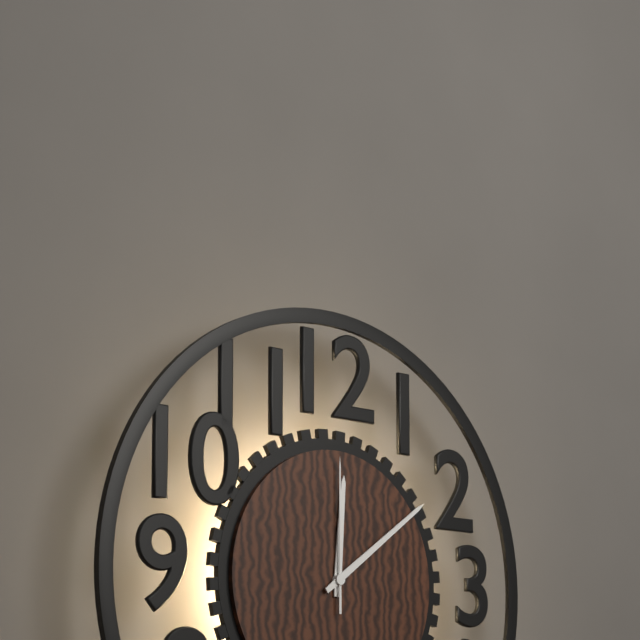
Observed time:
12:09:00
